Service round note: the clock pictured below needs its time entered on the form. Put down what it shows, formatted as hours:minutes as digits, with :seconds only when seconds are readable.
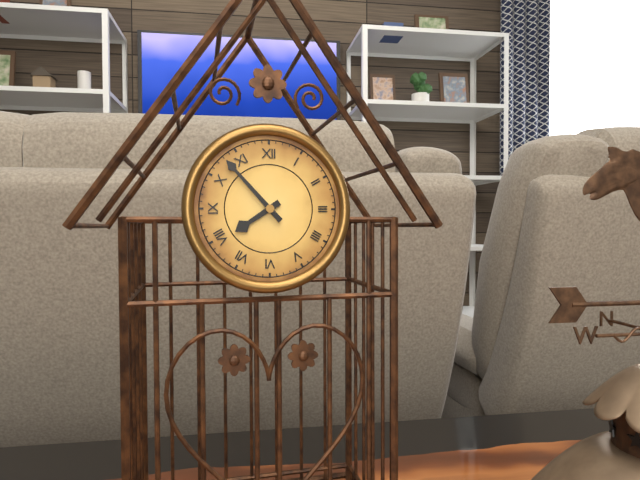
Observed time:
7:53
